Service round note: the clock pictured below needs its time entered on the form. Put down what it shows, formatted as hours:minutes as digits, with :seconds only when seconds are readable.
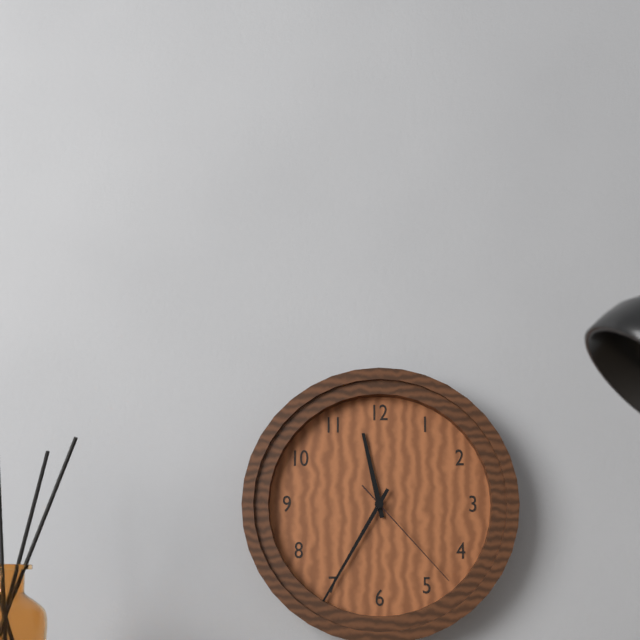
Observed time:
11:35:23
